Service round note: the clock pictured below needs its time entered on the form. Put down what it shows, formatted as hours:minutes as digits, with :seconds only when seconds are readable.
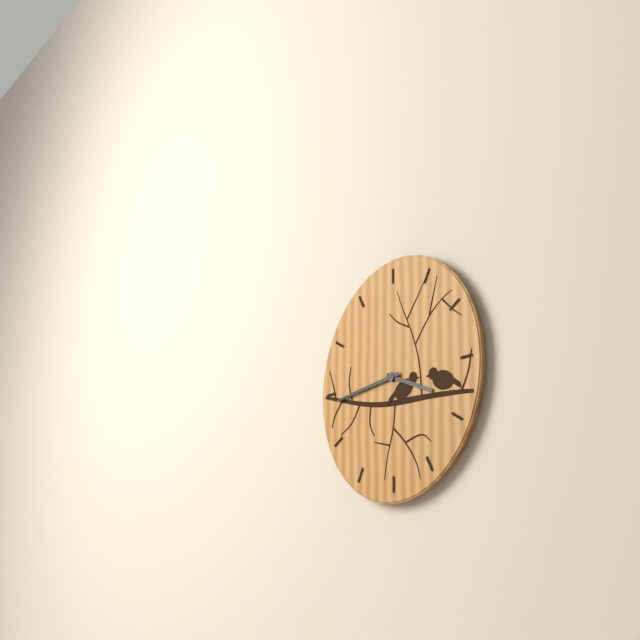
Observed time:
3:44
